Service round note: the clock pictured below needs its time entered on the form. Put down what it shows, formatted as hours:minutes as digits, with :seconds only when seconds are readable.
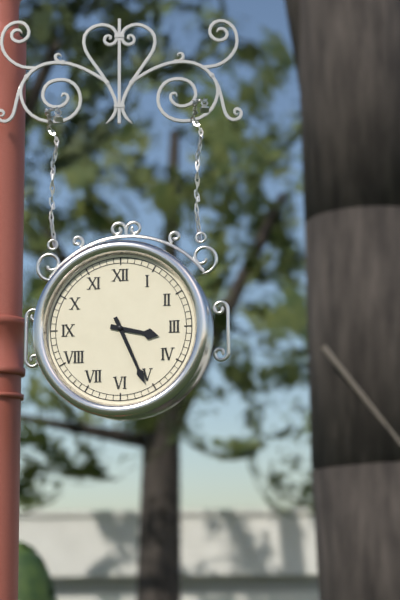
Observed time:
3:26
